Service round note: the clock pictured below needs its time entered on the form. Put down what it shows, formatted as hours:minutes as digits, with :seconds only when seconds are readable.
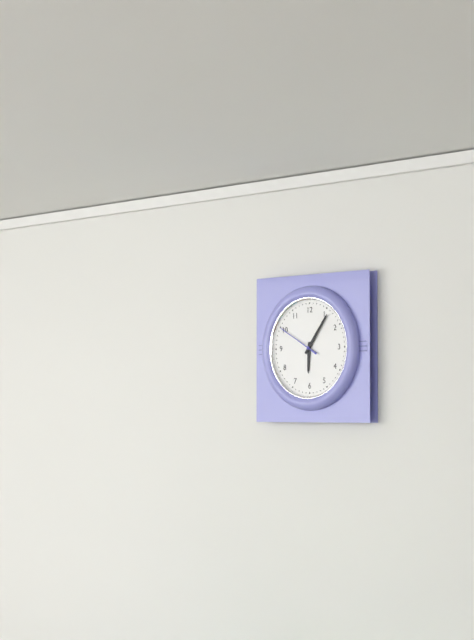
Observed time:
6:06:50
